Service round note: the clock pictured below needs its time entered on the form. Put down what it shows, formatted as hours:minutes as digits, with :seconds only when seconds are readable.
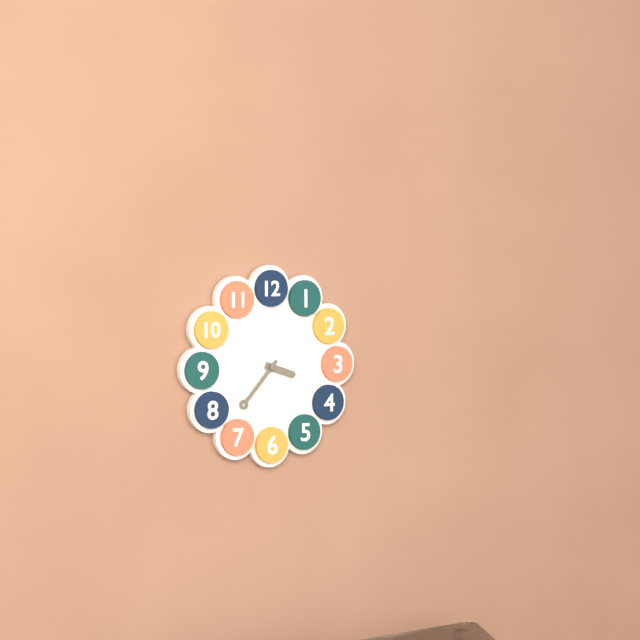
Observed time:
3:37
